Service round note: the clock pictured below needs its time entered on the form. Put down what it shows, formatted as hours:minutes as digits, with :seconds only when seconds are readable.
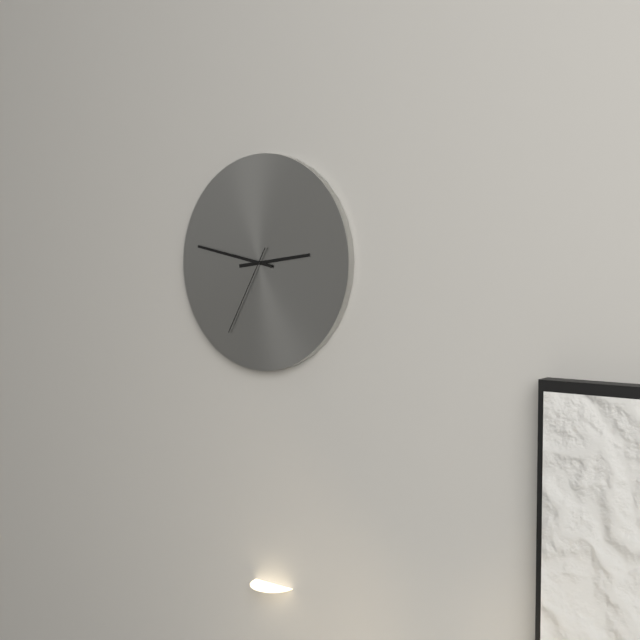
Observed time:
2:47:35
